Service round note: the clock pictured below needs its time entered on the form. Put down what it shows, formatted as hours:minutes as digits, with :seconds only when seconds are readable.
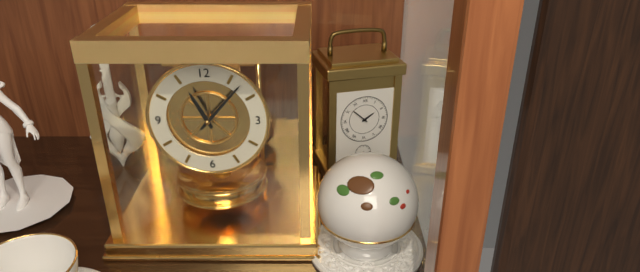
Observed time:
11:07
